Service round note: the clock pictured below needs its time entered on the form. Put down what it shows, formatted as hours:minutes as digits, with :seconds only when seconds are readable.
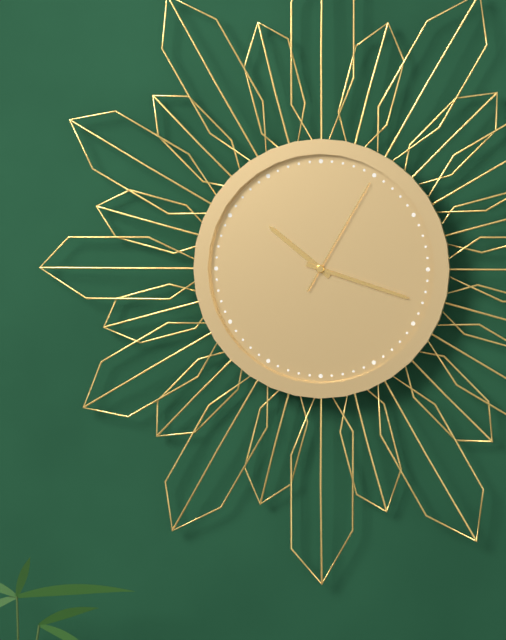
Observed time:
10:18:05
